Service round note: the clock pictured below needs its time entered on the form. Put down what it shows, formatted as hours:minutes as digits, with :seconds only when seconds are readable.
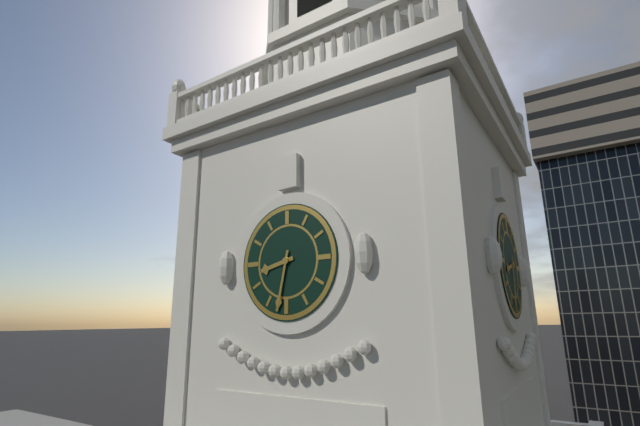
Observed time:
8:32
